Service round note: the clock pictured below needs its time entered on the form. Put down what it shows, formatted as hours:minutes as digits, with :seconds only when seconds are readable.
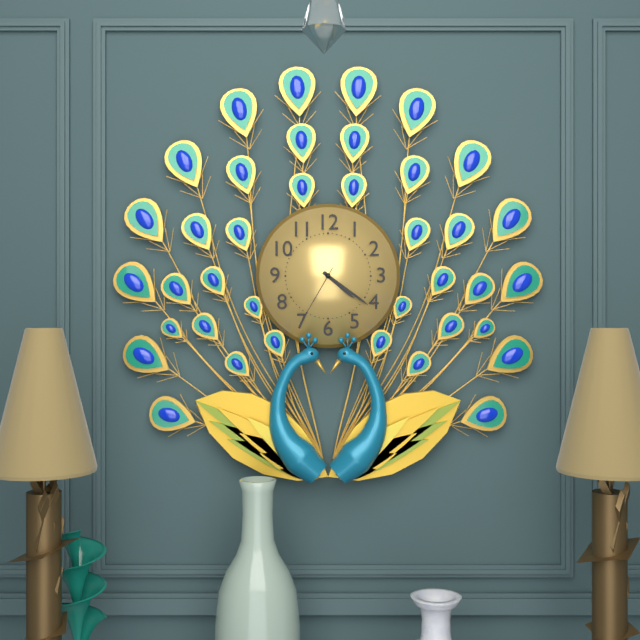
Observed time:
4:21:35
